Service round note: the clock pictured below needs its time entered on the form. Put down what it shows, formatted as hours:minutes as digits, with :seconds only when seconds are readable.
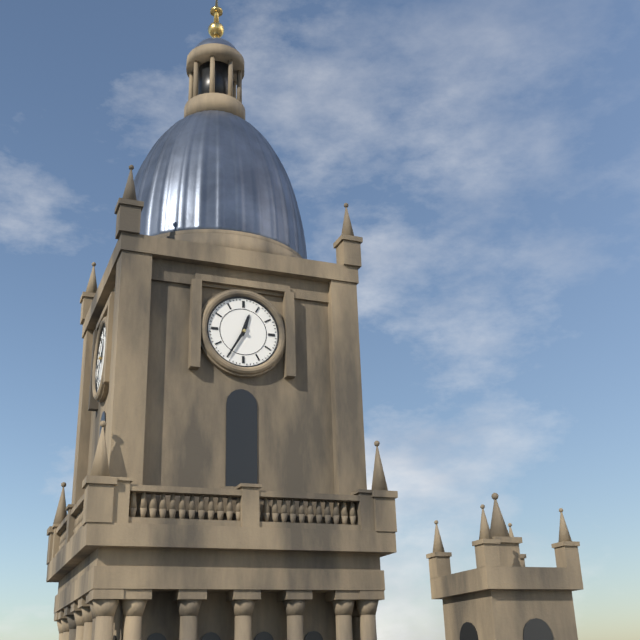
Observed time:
12:35
